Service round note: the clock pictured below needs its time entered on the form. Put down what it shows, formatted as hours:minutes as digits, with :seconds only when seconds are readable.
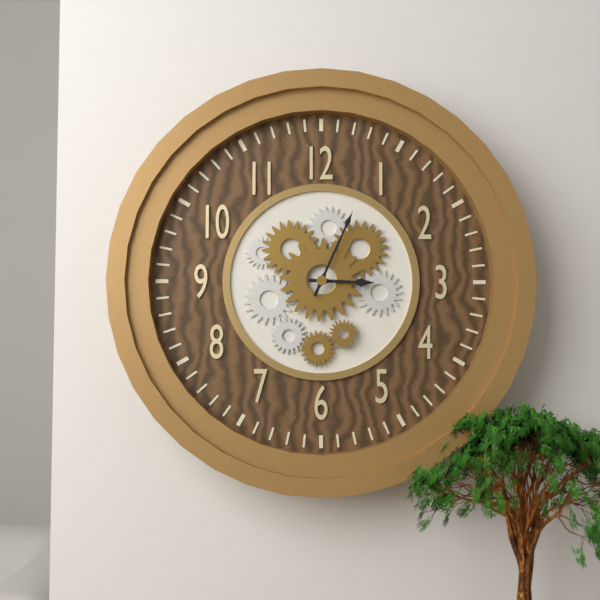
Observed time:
3:04
